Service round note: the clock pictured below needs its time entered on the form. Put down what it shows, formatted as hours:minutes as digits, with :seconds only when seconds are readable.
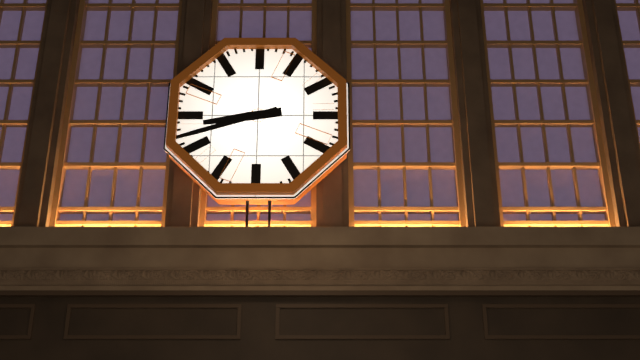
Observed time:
8:42
